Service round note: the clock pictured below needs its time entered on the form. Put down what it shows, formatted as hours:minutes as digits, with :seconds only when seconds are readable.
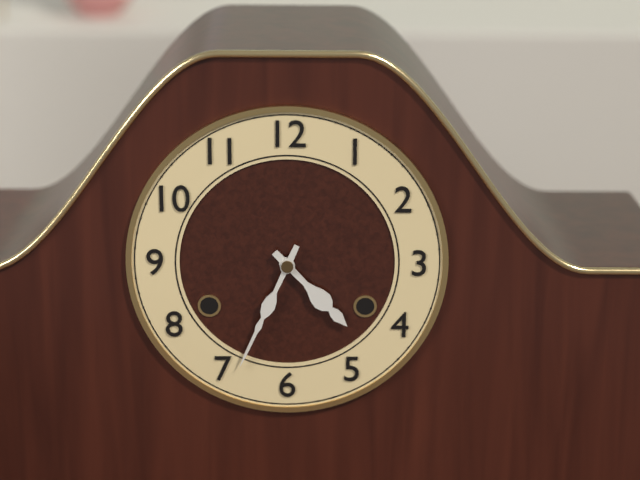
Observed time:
4:34
